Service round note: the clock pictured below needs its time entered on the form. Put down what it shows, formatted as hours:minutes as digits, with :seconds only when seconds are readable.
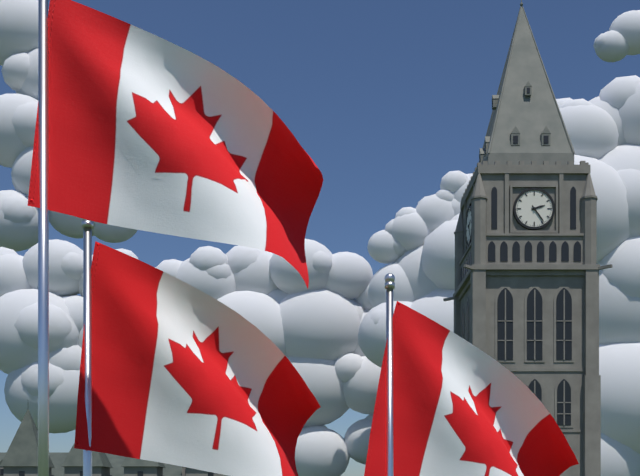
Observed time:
2:24
